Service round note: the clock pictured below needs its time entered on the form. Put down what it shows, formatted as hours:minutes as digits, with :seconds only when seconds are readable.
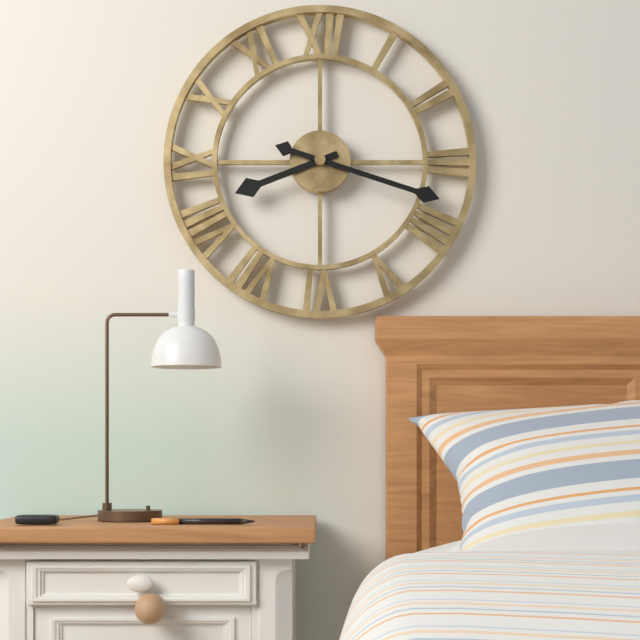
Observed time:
8:18
